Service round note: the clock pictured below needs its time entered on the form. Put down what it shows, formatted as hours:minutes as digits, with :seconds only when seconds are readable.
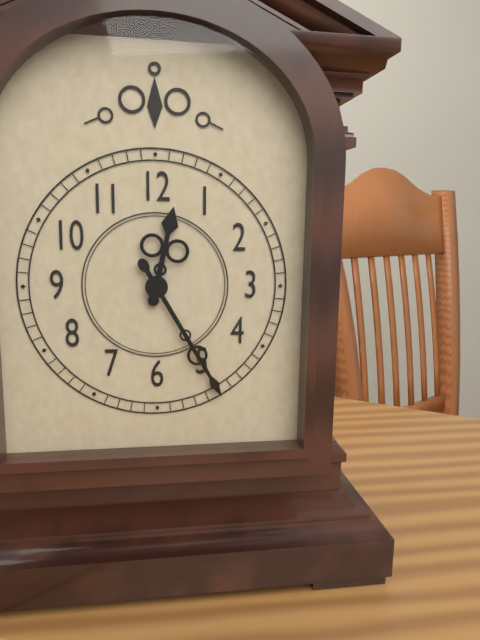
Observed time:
12:25
